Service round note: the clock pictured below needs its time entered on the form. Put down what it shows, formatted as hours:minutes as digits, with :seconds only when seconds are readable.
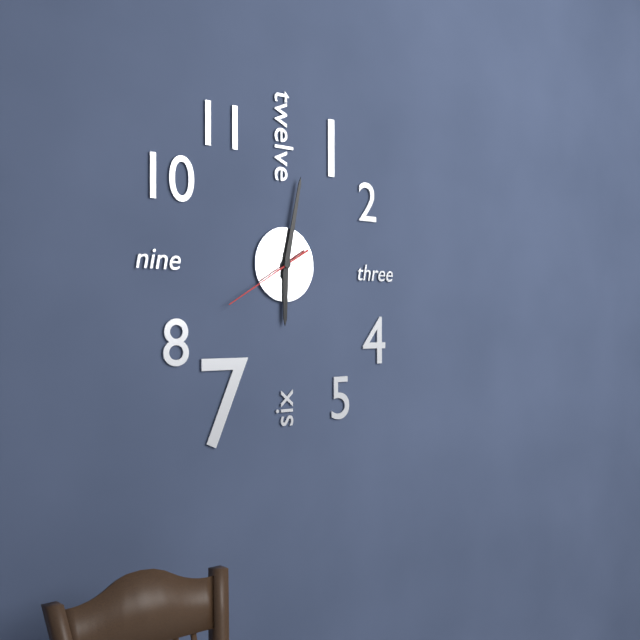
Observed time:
6:02:40
